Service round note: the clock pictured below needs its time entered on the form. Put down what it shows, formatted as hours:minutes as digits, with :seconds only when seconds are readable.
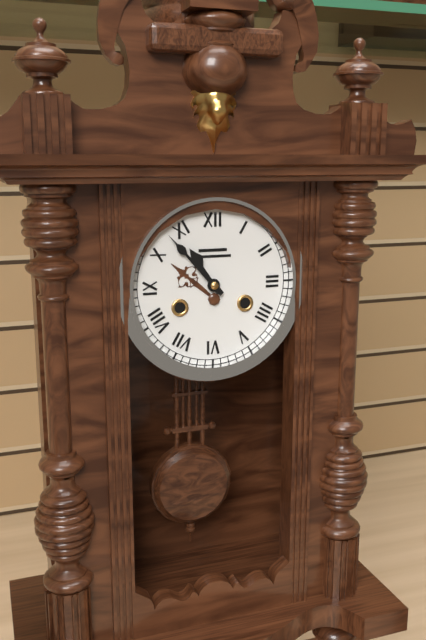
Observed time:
10:53
